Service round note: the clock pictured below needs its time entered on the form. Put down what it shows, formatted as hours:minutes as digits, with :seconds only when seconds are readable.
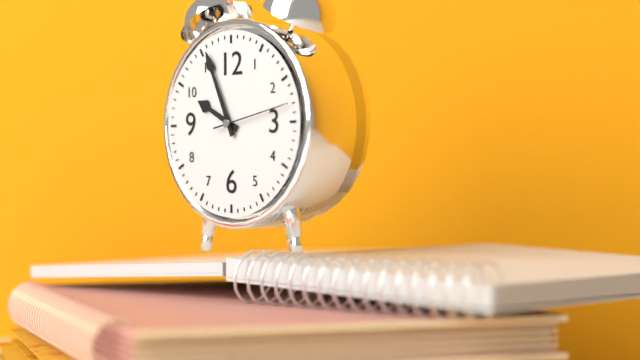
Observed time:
9:56:13
